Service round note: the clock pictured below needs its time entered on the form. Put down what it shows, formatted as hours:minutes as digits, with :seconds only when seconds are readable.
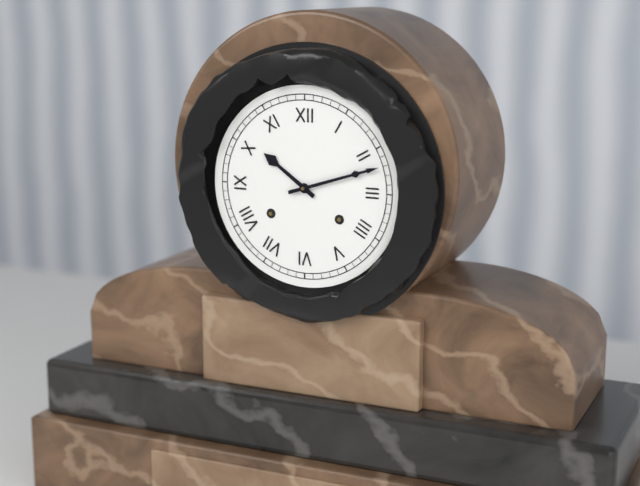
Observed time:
10:12
